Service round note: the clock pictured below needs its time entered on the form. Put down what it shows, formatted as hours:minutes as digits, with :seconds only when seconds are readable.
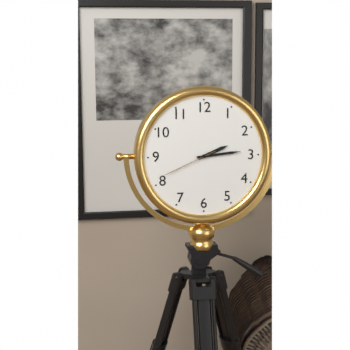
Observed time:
2:14:41
